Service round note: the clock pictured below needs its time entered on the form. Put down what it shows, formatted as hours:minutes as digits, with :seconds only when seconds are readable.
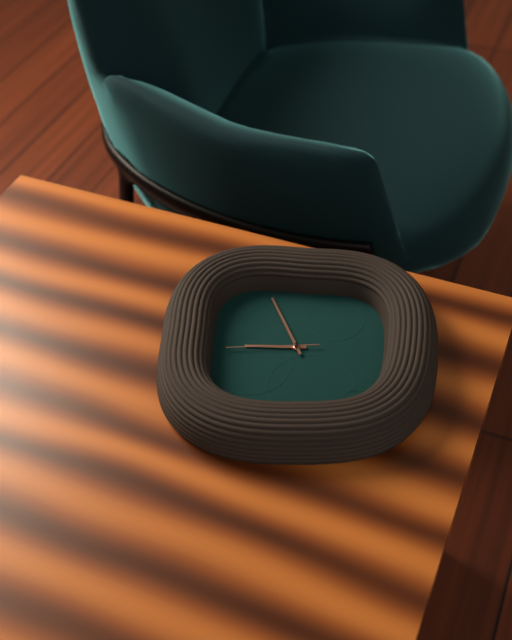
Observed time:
8:56:44
